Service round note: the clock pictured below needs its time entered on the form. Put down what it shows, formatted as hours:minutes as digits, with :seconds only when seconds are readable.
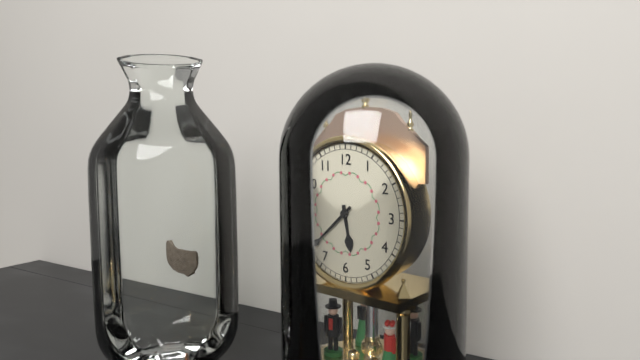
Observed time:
5:38
